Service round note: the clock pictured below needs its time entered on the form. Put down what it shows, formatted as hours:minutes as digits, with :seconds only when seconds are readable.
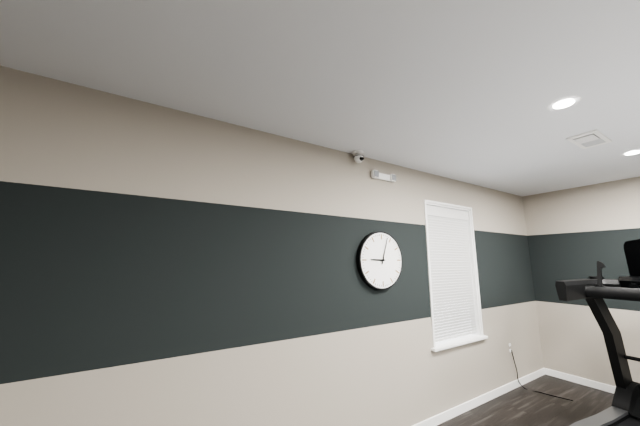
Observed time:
9:03
